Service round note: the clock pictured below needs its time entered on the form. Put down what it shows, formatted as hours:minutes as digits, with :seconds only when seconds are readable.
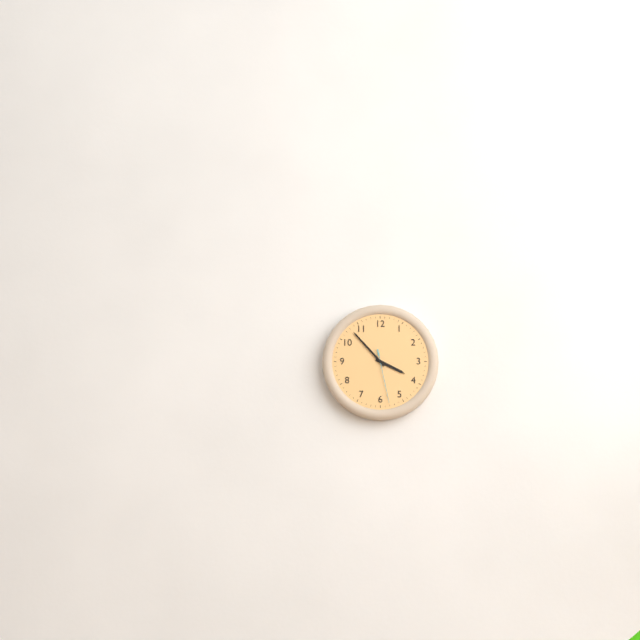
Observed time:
3:53
